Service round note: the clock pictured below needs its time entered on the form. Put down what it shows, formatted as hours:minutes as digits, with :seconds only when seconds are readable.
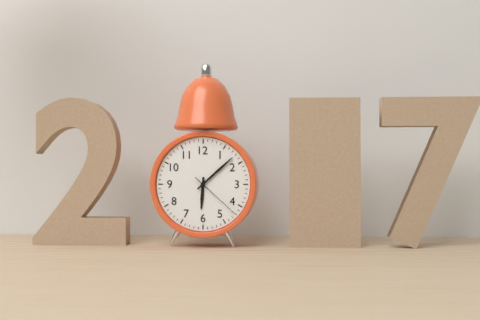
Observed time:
6:08:22
